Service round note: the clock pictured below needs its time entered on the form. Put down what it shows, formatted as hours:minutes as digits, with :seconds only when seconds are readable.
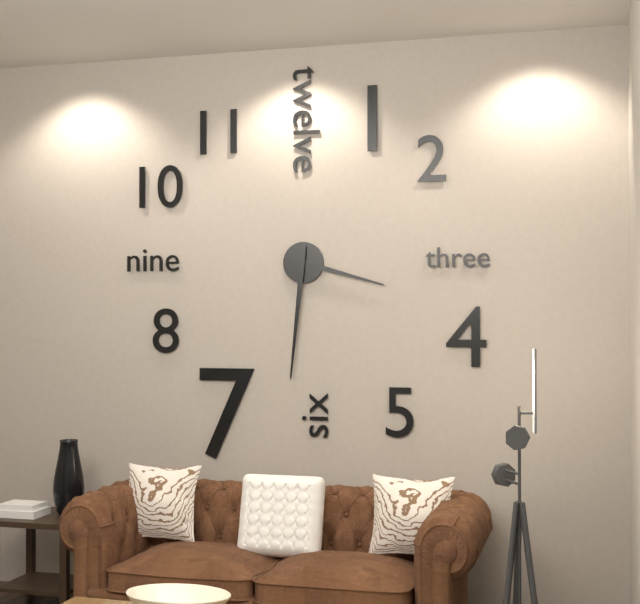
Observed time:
3:31
